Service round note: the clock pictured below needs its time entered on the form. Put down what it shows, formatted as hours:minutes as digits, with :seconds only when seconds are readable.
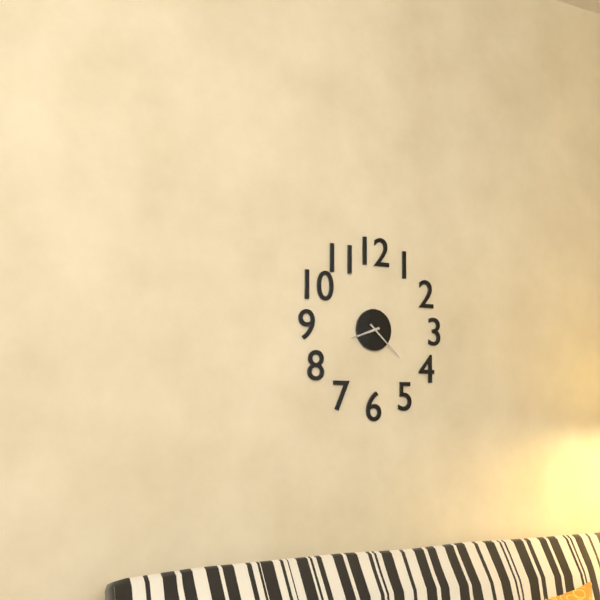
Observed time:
8:22
